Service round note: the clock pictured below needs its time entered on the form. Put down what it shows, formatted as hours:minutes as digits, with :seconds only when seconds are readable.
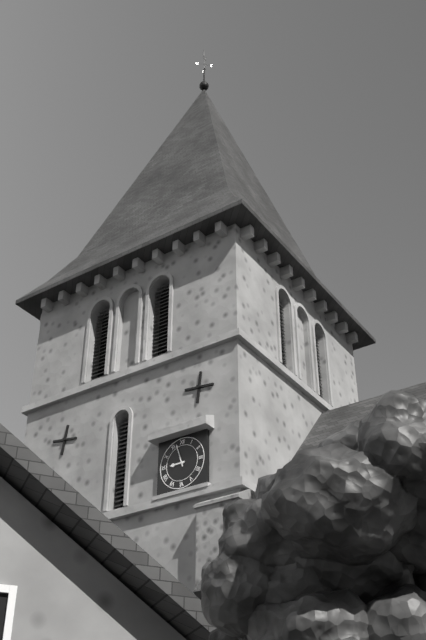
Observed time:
8:57
